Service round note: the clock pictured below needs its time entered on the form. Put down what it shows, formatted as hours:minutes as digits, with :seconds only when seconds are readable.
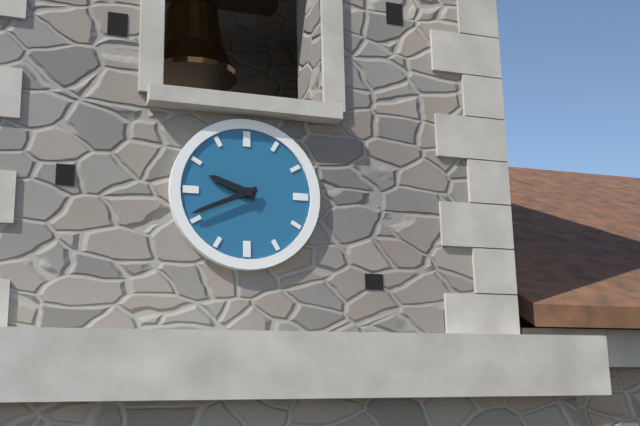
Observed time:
9:41
